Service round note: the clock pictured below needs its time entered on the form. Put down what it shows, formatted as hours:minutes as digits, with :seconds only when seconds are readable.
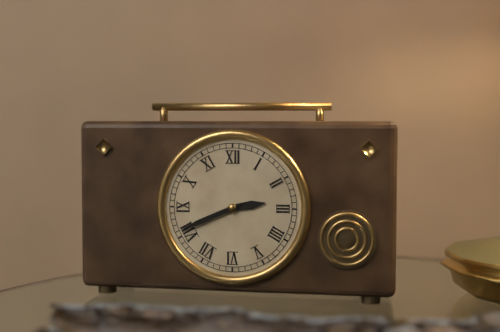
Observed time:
2:41
